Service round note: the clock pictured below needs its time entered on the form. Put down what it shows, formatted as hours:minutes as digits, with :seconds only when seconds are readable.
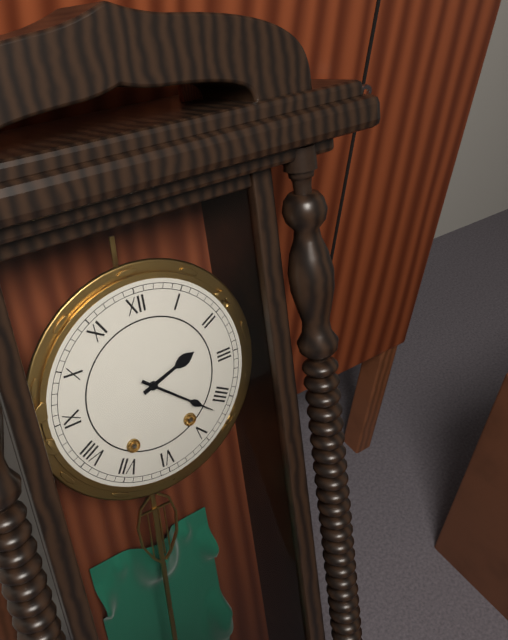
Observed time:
2:22
